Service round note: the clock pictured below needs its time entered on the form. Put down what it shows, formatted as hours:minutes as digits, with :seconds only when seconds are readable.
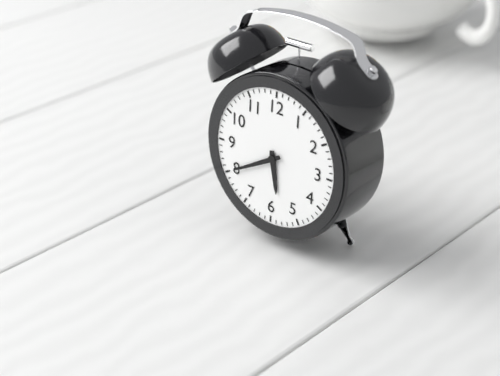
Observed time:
5:40
